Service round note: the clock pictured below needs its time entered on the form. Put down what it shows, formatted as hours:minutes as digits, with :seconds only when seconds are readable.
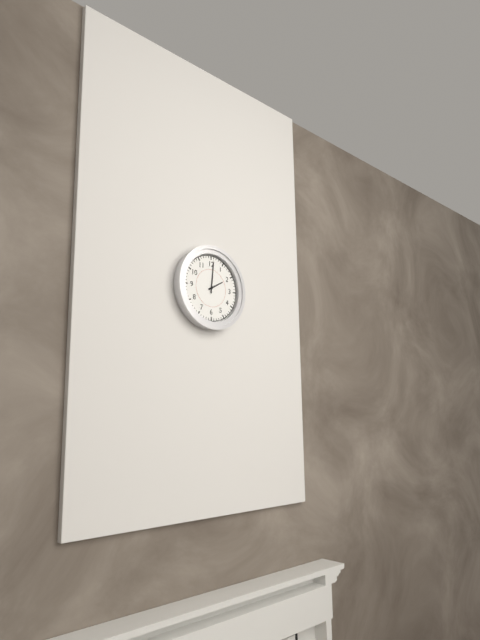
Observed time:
2:01
